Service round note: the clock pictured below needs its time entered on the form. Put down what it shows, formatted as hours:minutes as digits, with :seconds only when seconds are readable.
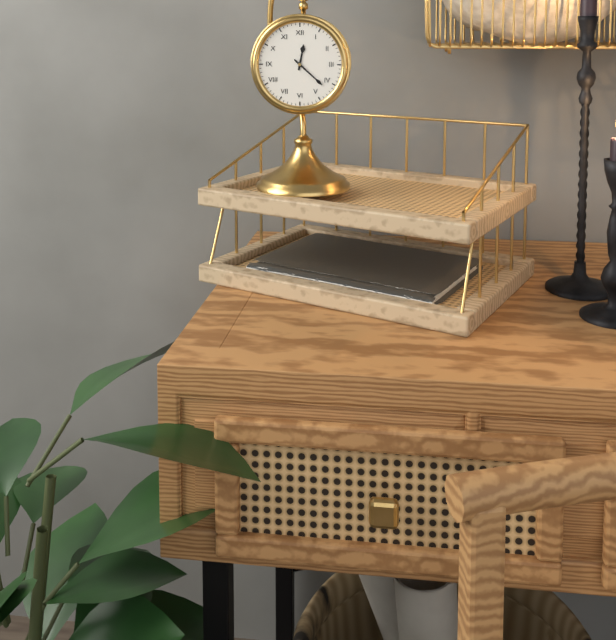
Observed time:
12:22
